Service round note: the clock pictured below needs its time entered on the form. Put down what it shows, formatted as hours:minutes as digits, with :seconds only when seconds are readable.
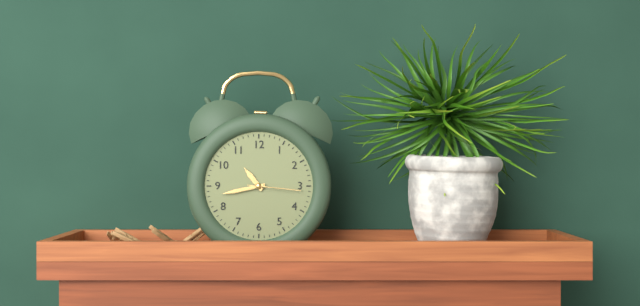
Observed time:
10:43:16
